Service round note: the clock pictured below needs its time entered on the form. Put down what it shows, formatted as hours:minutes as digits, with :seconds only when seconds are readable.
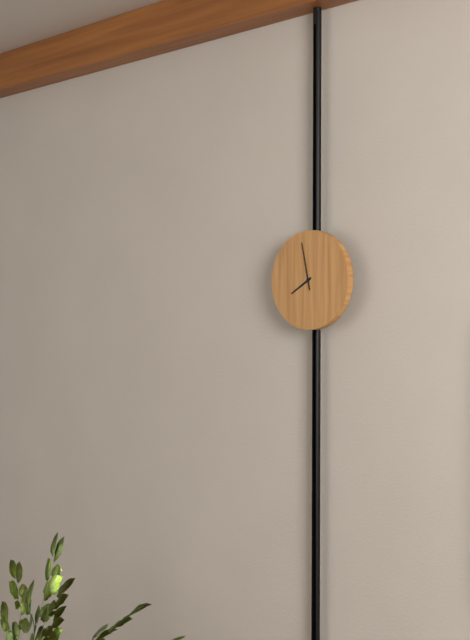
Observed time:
7:58
